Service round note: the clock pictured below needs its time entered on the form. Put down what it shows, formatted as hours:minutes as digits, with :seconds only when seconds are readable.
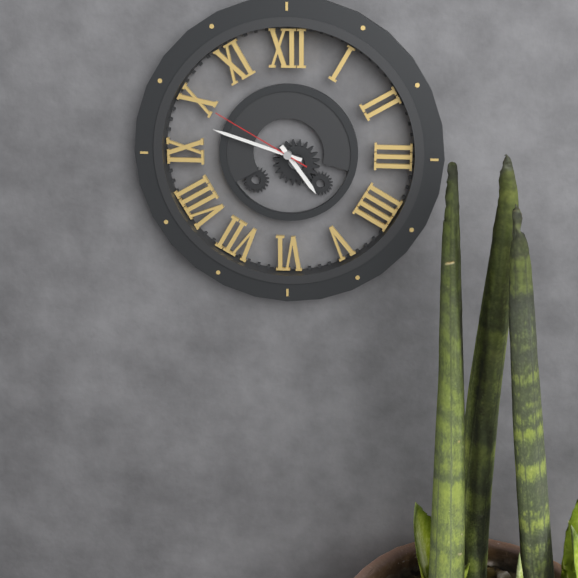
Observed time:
4:48:50
